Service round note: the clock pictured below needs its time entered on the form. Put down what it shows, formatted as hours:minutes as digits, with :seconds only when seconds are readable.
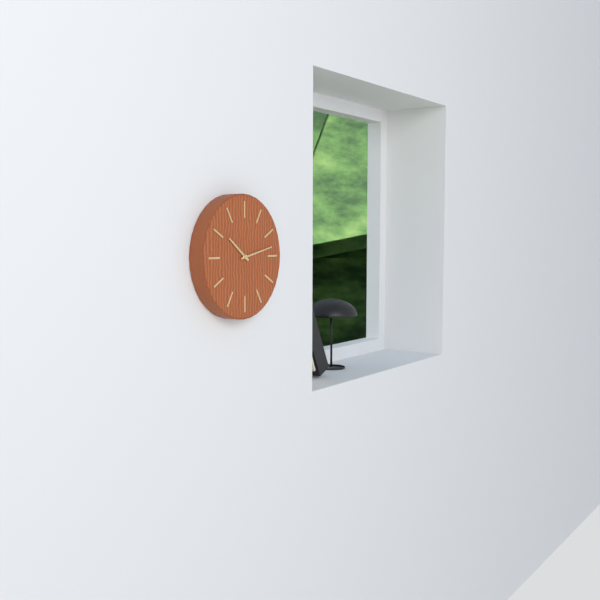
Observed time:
10:13
